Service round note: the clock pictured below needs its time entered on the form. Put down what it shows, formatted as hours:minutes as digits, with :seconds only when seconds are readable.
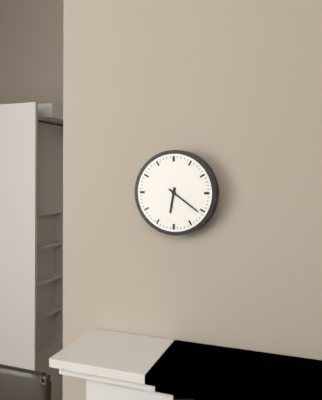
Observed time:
6:21
